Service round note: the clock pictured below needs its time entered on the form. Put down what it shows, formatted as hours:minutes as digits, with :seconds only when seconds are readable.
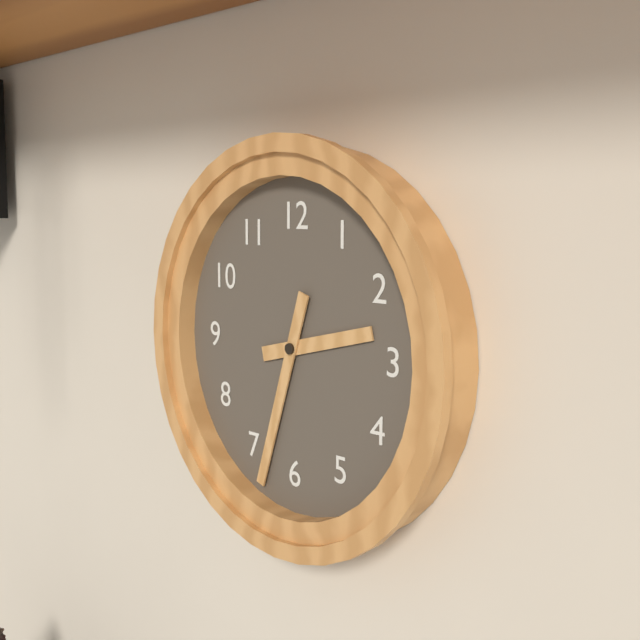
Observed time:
2:33
